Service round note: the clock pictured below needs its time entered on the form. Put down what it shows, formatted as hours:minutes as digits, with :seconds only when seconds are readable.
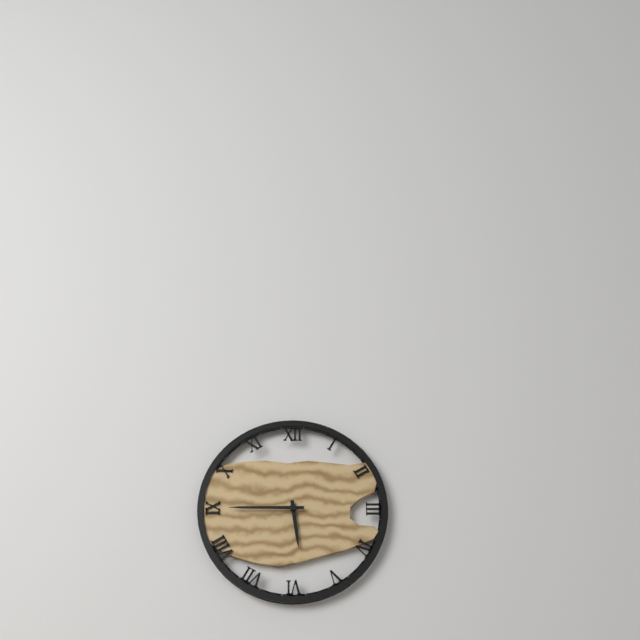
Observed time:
5:45
